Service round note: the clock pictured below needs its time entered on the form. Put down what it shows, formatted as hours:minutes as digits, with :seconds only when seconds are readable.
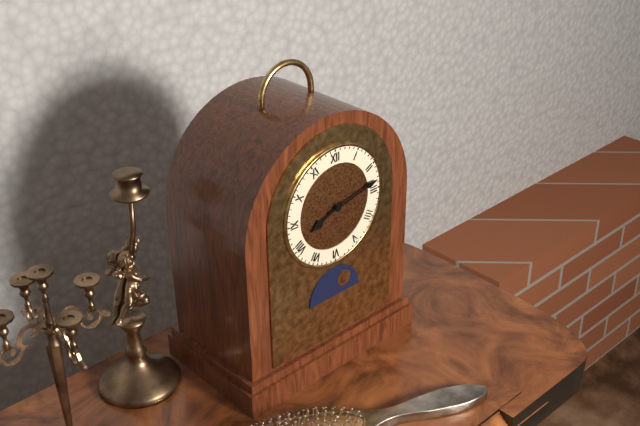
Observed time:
8:13
